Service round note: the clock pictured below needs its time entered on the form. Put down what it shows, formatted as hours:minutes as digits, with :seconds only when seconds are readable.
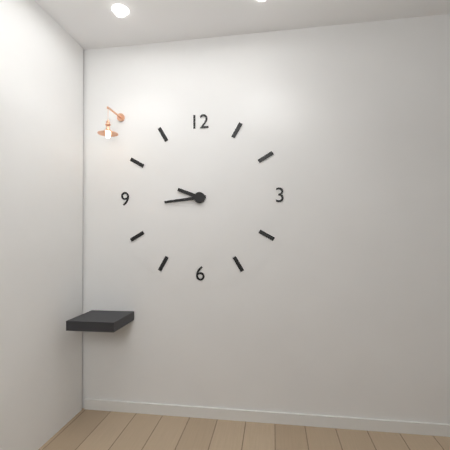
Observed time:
9:44
